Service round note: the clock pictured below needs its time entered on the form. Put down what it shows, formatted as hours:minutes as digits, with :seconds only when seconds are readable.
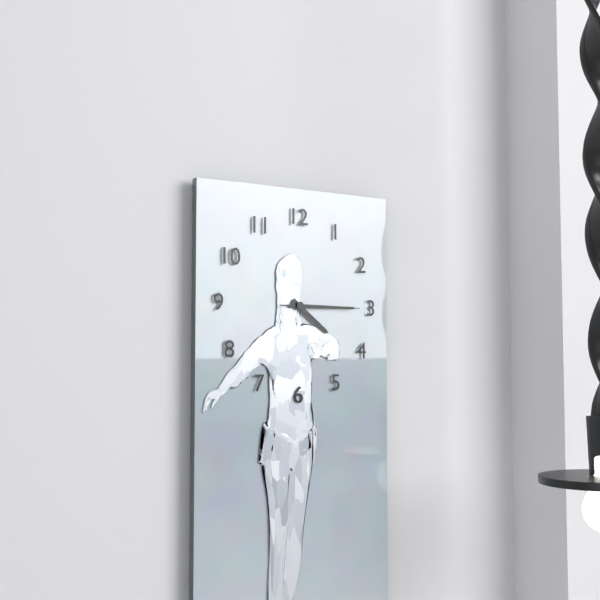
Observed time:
4:15:15
